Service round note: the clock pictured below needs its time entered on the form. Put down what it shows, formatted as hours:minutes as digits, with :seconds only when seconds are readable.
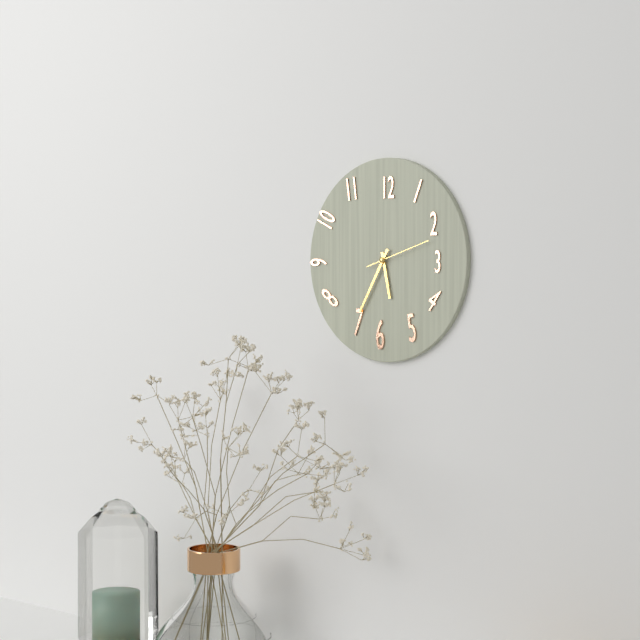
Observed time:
5:35:12
